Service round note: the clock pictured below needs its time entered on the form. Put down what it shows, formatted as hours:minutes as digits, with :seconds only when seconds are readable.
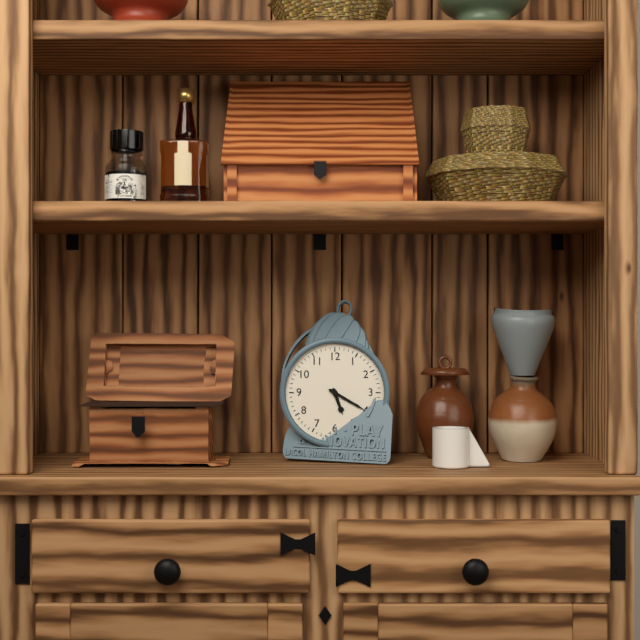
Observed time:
5:20
